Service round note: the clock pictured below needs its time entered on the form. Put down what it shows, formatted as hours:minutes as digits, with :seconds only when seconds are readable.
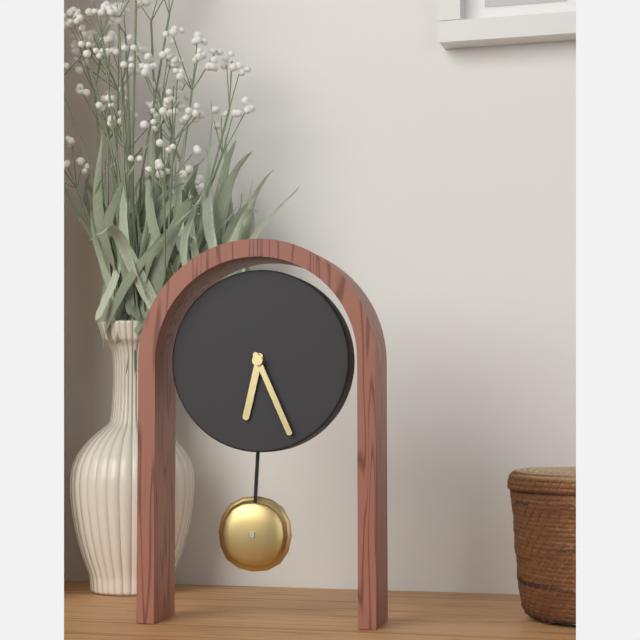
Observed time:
6:26
